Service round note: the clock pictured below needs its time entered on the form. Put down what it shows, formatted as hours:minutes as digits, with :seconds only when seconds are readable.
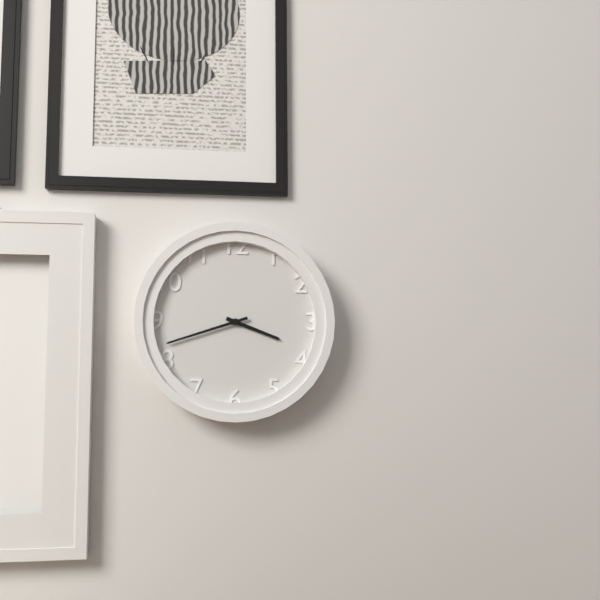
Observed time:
3:42
